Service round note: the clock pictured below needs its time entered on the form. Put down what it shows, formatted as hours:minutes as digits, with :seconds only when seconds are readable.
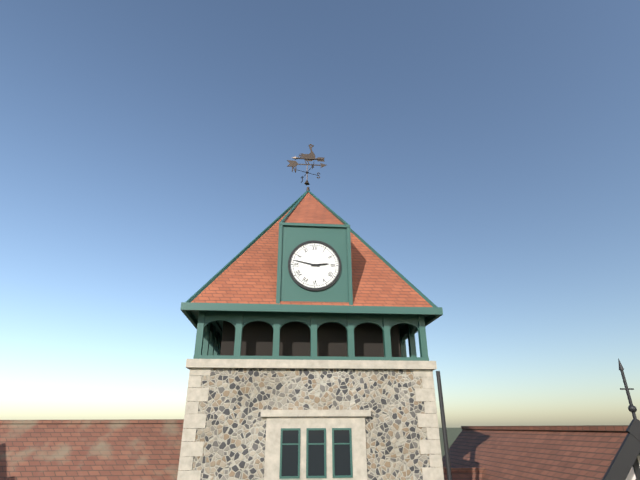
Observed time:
2:47
